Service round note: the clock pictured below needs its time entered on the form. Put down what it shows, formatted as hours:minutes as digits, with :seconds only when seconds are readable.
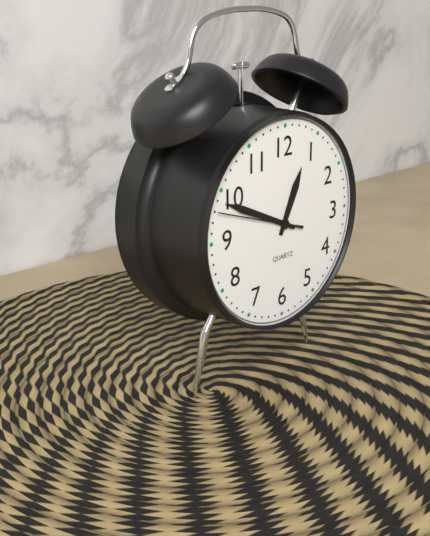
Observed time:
12:49
